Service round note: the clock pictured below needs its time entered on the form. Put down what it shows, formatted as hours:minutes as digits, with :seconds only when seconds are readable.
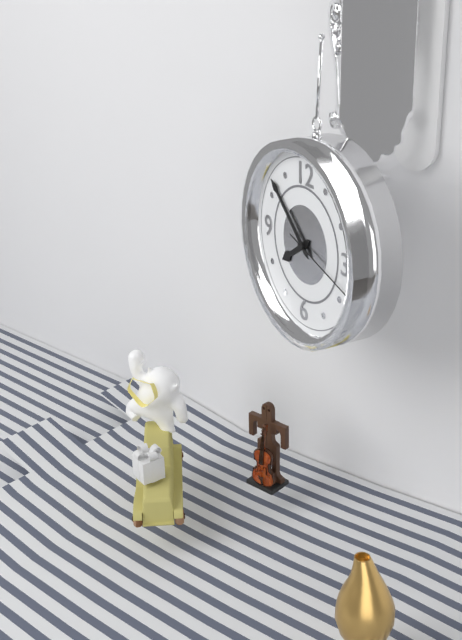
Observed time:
7:52:18
